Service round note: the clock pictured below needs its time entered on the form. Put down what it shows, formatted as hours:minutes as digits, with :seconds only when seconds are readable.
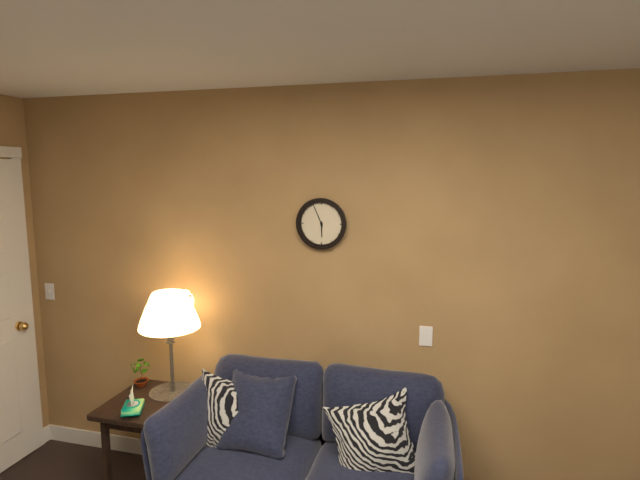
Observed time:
5:56
